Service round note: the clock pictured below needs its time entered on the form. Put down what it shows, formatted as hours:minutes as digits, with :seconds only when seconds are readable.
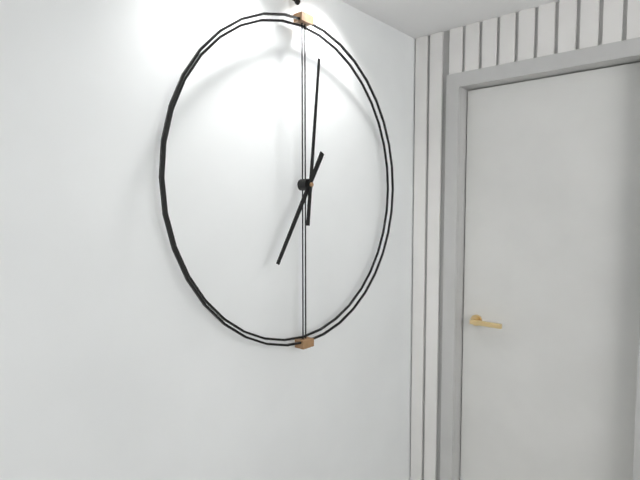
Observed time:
7:01
